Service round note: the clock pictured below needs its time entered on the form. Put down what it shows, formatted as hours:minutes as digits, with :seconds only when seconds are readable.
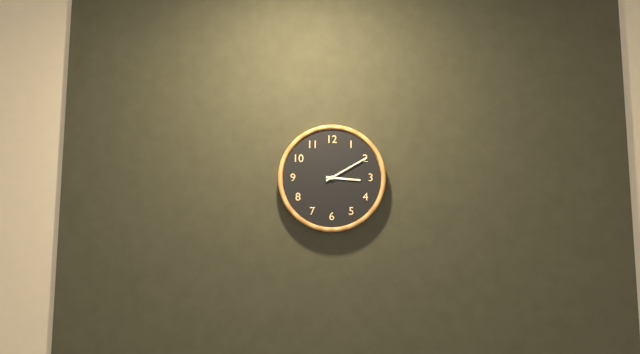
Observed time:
3:10
